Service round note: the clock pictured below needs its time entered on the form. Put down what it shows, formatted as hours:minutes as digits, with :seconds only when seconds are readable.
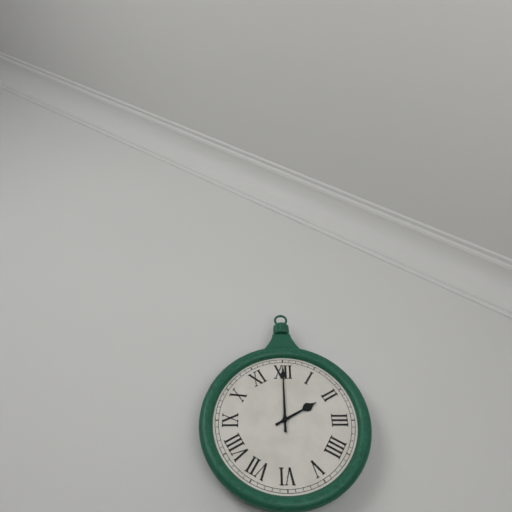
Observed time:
2:00
